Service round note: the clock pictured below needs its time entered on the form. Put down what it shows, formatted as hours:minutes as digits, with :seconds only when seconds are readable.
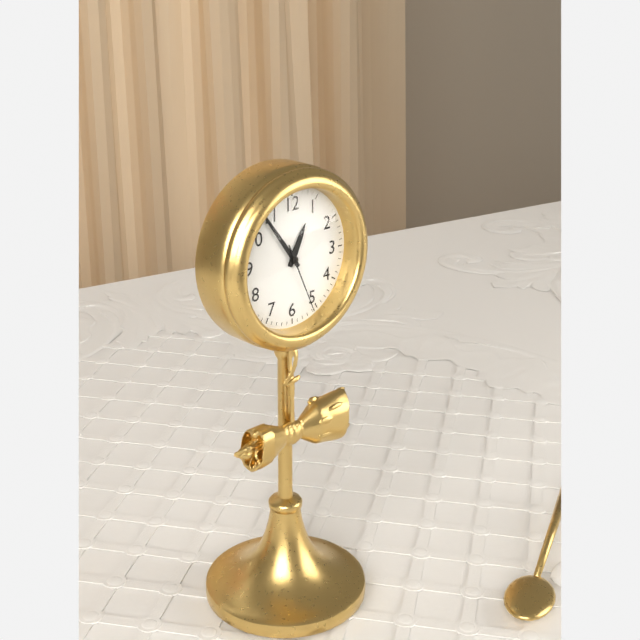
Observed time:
12:54:26
